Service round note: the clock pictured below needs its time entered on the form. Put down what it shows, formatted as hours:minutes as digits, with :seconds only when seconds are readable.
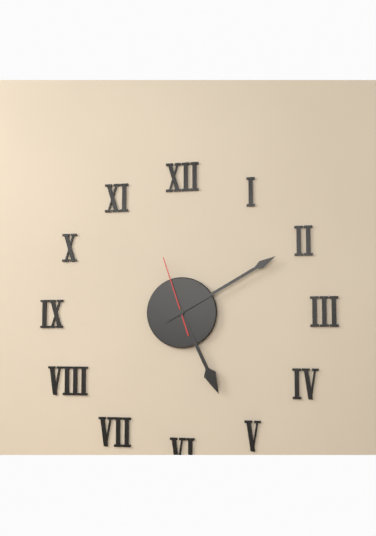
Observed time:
5:10:57
